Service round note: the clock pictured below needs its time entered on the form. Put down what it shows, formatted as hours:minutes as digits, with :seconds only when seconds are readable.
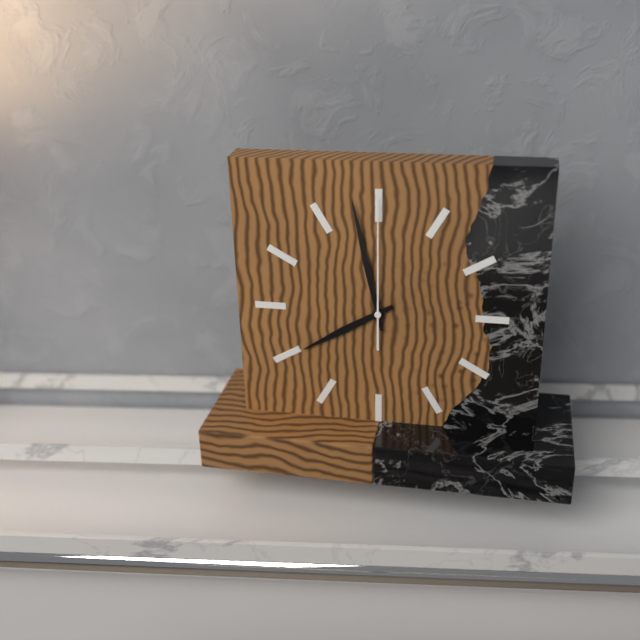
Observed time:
7:58:00
